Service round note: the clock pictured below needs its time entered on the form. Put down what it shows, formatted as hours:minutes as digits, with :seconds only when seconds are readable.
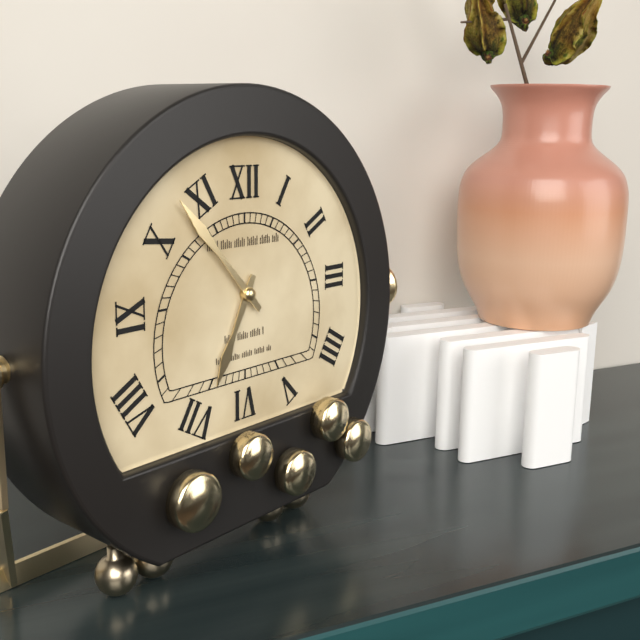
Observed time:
6:53
